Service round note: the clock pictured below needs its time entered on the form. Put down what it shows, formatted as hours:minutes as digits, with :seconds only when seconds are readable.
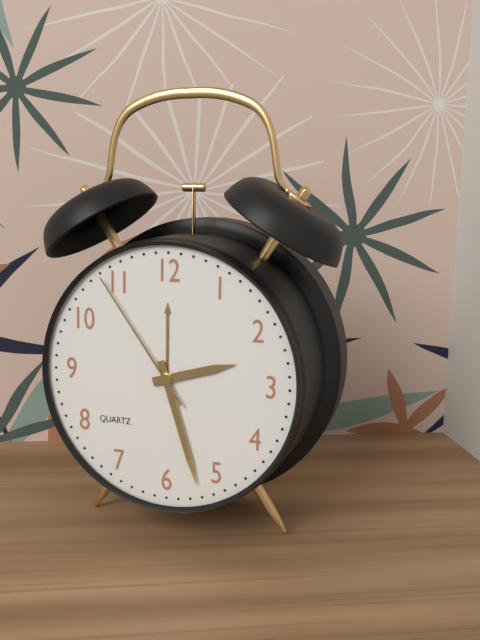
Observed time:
2:27:54
